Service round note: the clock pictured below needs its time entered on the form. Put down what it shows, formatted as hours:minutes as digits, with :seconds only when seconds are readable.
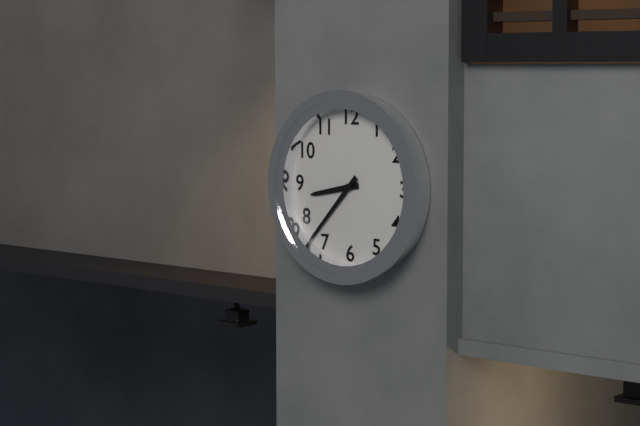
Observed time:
8:37
